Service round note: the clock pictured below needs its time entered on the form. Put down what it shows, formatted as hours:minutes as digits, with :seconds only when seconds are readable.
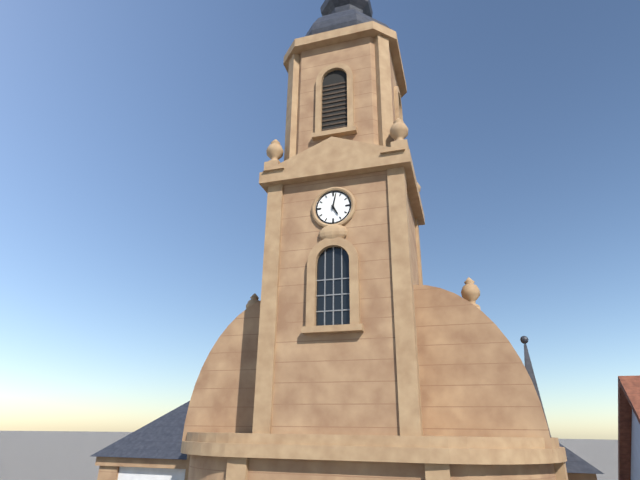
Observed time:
5:02
